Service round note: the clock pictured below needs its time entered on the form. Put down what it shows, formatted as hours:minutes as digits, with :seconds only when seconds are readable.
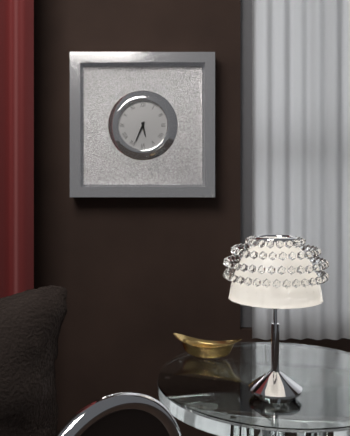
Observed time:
5:34
